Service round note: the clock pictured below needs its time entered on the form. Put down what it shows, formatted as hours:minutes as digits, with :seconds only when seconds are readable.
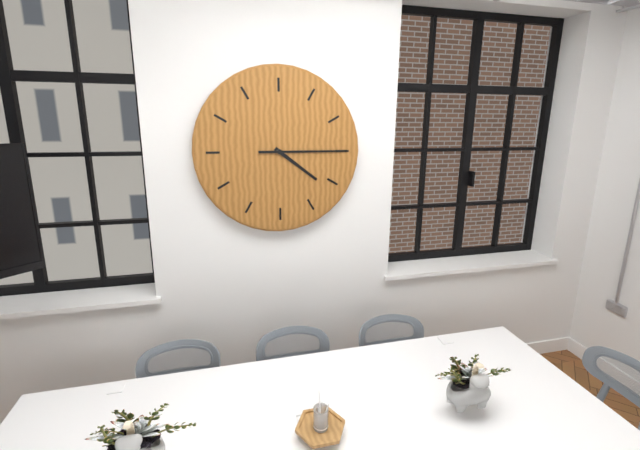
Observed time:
4:15
